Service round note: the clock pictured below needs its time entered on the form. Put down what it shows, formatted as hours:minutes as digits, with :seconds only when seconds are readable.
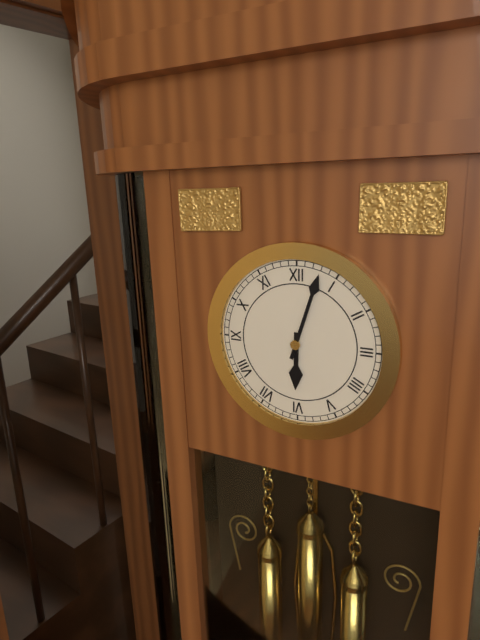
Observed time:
6:03
